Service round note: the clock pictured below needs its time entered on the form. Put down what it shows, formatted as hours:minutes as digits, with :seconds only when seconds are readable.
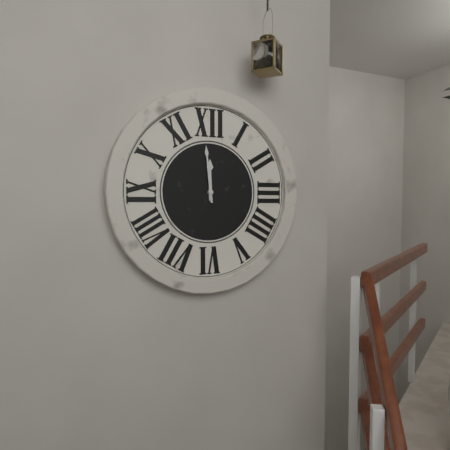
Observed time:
11:59
